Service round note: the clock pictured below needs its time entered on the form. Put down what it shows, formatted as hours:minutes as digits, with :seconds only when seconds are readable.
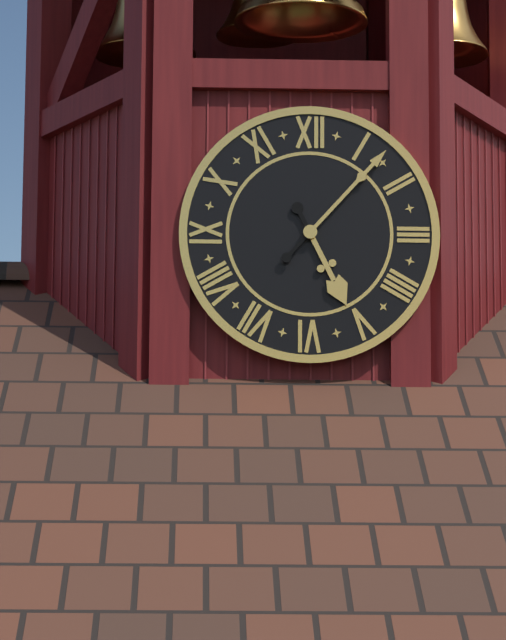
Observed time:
5:07
